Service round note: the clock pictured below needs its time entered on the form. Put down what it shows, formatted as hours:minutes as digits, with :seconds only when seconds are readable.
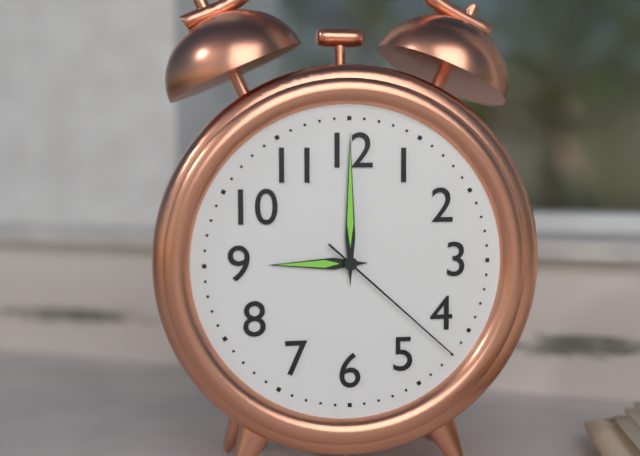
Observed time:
9:00:22
